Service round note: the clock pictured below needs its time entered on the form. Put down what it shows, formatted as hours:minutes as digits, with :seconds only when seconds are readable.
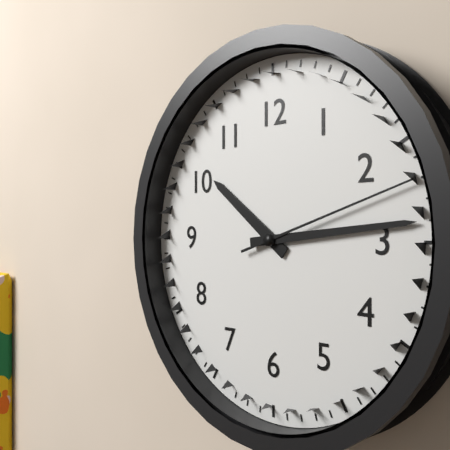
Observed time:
10:14:12
